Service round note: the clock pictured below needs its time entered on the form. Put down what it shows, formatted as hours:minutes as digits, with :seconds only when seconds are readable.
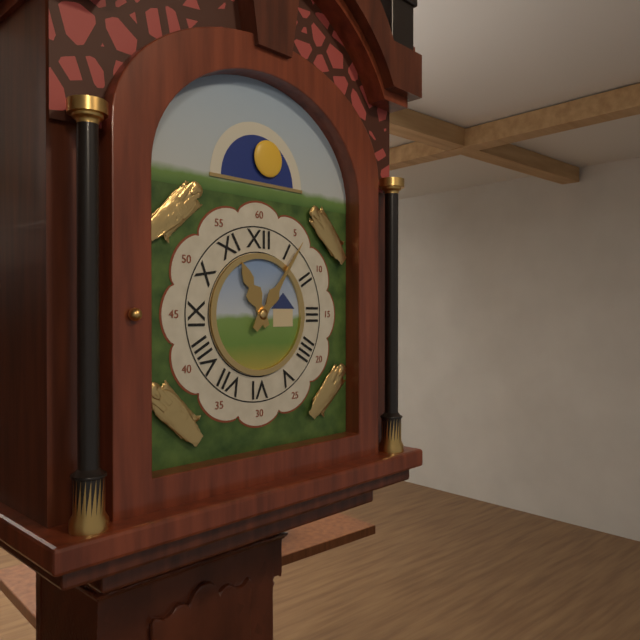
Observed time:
11:06
